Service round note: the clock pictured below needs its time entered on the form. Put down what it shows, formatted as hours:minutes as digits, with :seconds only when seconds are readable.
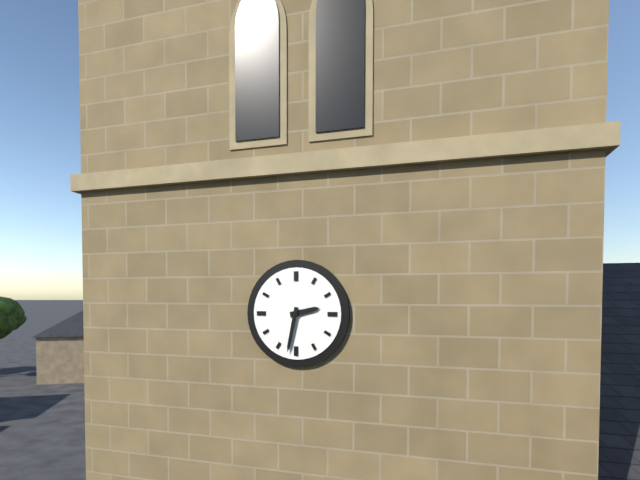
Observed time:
2:32
